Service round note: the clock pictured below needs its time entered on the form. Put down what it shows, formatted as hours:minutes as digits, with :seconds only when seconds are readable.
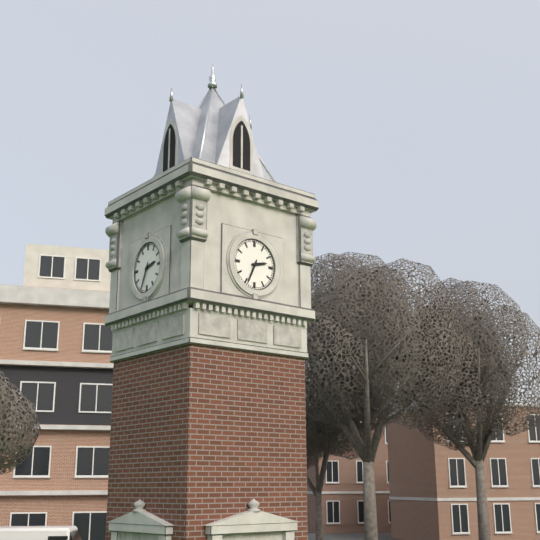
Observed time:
2:34
